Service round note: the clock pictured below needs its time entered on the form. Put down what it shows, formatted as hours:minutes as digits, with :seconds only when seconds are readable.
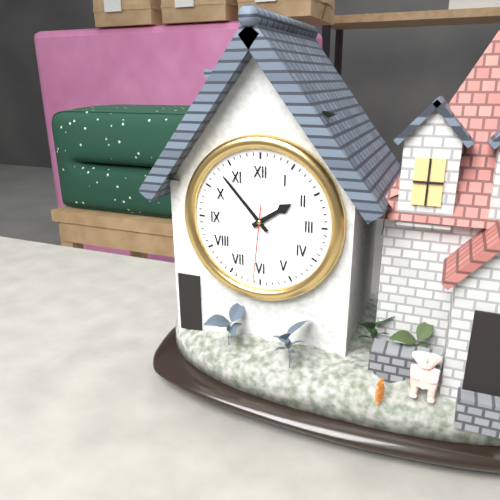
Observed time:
1:53:31
